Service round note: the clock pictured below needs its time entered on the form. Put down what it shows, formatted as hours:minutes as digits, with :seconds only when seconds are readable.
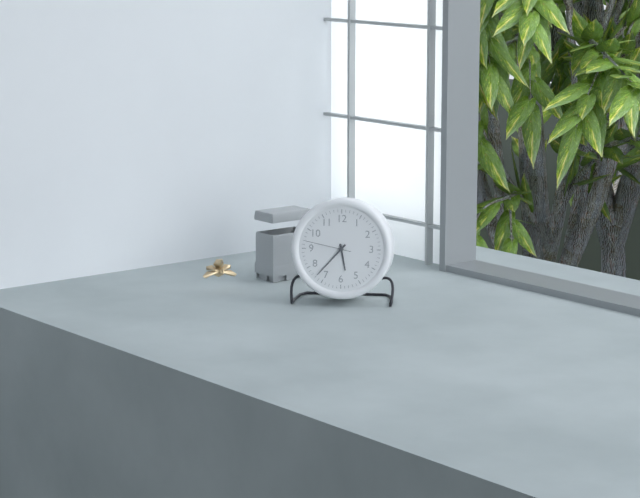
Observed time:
5:37
